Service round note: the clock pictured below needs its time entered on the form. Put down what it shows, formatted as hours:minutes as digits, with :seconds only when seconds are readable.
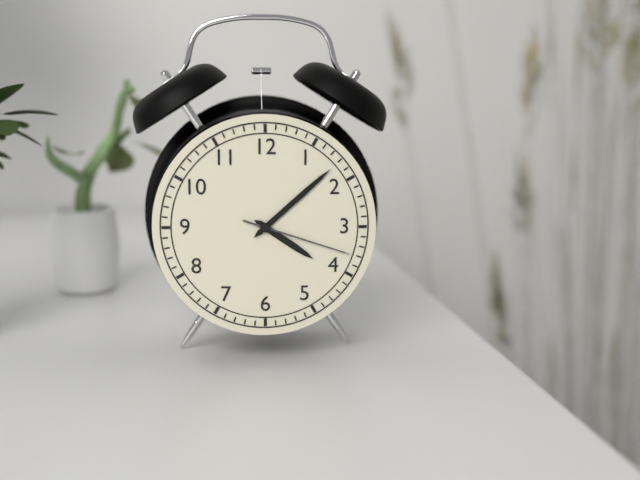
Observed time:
4:08:18
